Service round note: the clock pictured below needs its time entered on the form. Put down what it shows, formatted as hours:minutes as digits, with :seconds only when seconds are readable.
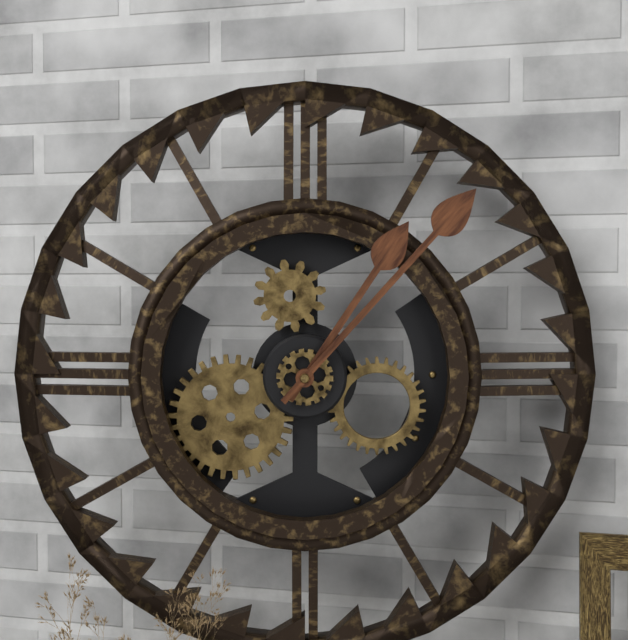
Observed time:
1:07
